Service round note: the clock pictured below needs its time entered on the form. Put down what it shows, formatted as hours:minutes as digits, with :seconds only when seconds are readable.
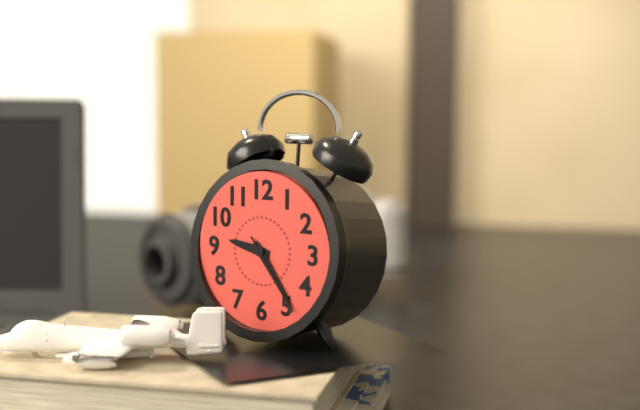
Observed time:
9:24:24
